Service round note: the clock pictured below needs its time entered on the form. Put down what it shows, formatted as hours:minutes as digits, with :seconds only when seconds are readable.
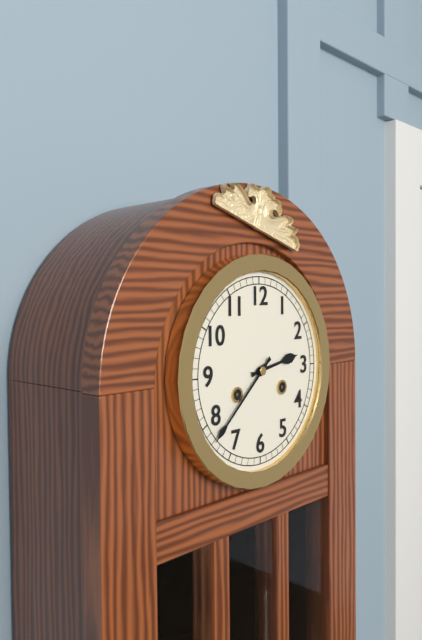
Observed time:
2:38
